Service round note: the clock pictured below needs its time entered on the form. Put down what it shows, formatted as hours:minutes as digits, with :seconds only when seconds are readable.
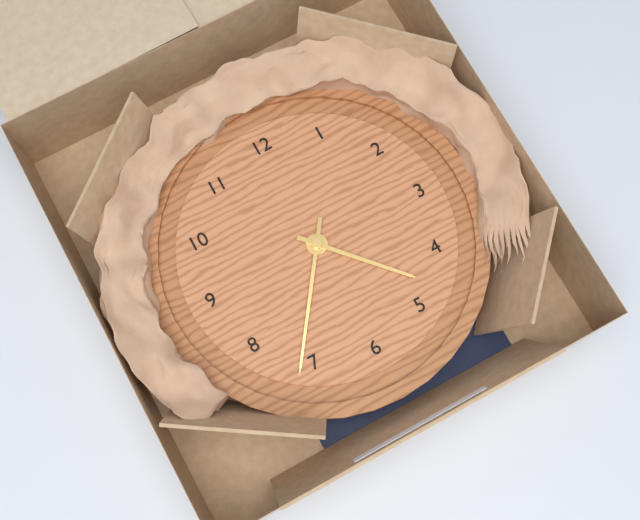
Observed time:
4:36
